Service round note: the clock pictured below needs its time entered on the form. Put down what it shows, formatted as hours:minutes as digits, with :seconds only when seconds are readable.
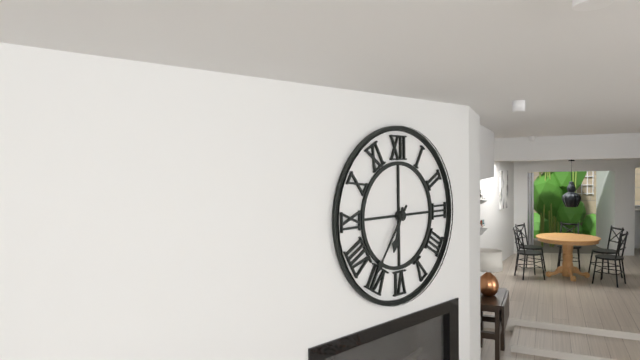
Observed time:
6:36
